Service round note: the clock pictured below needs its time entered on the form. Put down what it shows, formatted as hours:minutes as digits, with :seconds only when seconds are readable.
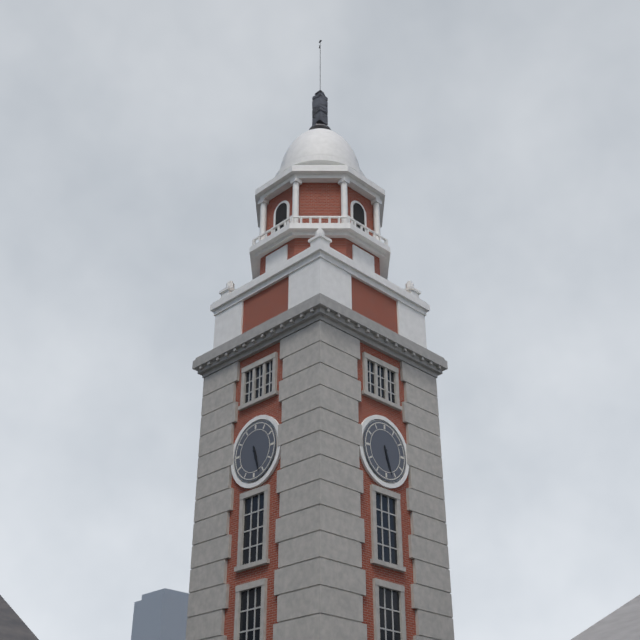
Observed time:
5:27
